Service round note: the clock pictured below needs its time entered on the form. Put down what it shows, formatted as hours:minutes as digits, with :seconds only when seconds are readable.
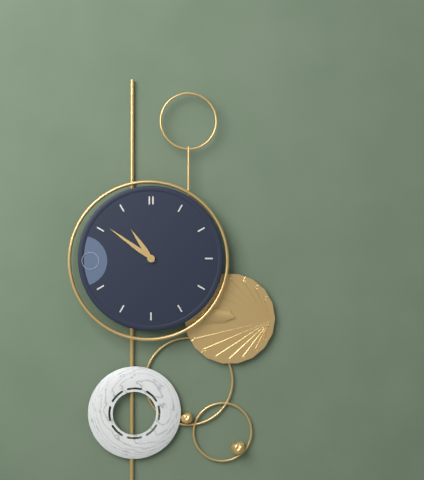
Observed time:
10:51
